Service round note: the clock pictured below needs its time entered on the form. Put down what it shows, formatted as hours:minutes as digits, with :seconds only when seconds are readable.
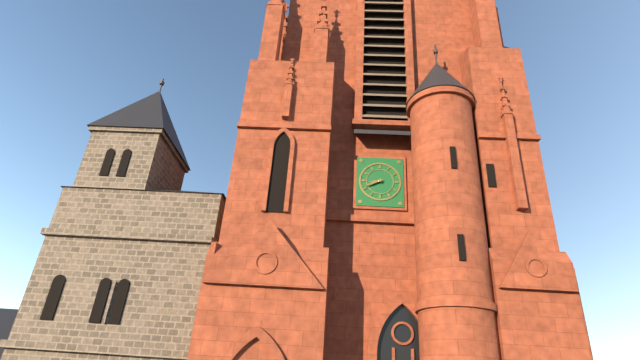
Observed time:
8:41
